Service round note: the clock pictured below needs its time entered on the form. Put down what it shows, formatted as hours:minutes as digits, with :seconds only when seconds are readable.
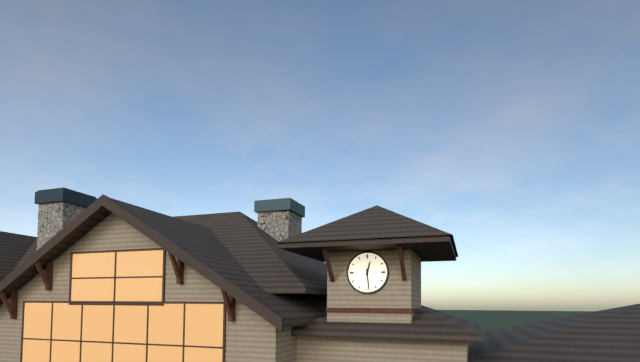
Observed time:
12:29
